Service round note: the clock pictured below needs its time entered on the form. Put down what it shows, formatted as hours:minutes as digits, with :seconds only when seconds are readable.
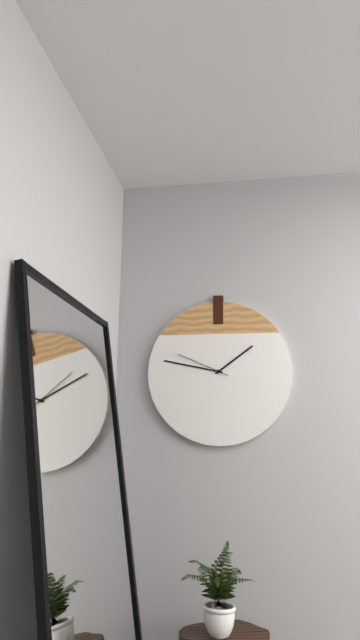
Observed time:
1:47:49
